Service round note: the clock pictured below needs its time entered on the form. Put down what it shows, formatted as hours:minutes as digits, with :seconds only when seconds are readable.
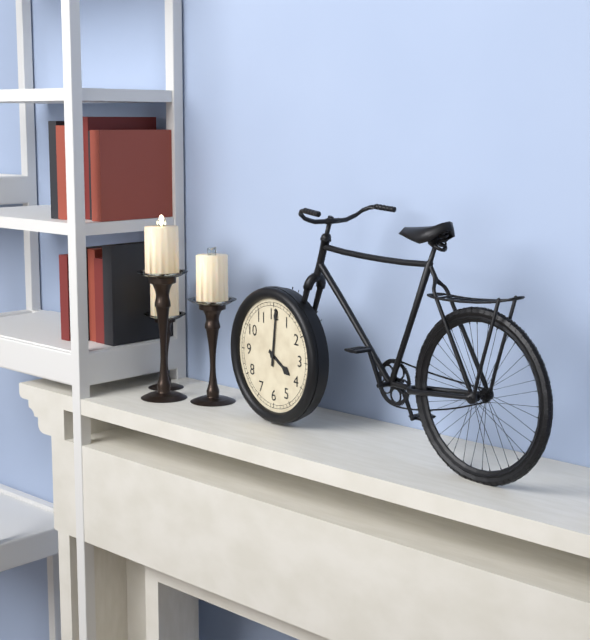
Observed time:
4:01
